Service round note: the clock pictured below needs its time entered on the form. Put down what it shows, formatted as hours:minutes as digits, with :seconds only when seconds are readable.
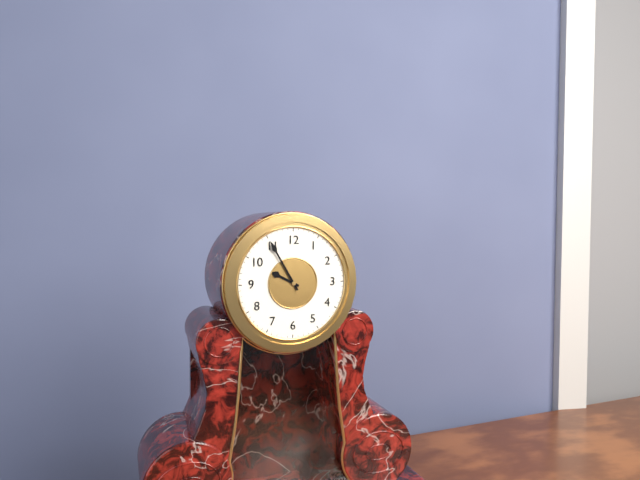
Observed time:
9:55
